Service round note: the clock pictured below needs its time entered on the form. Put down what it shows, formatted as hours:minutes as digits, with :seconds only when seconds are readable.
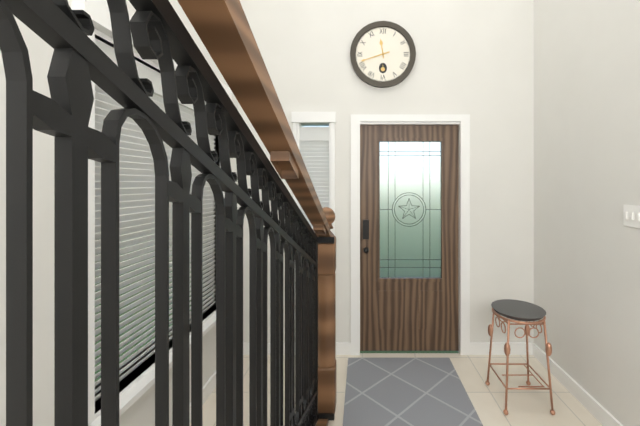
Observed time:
11:42
